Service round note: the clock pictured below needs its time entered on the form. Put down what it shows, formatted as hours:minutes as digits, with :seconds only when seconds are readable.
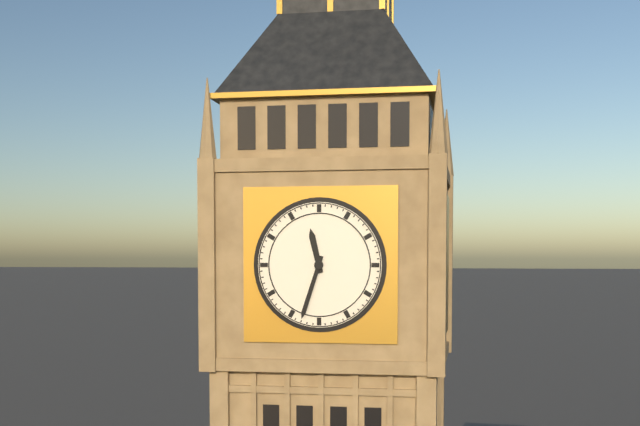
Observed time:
11:33
